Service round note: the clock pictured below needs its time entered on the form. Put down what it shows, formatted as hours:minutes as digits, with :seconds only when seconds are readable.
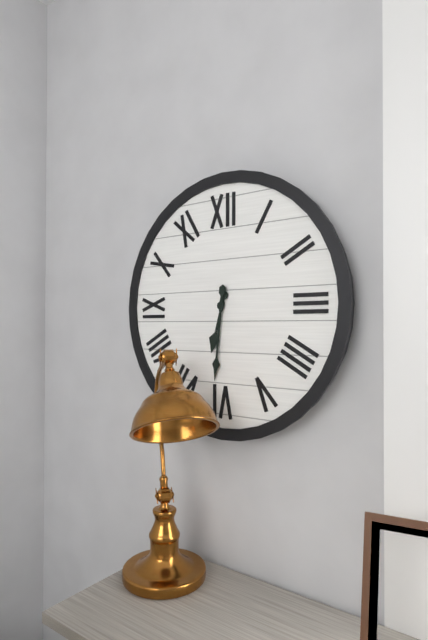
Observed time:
6:31
